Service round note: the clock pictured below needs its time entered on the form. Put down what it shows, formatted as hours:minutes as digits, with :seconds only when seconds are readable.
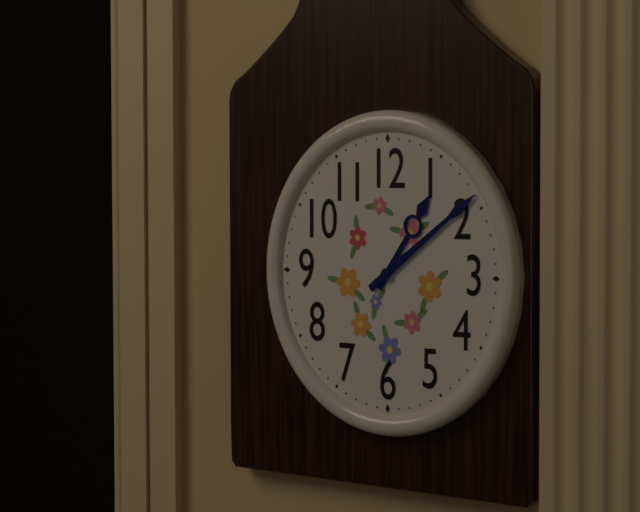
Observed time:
1:09
